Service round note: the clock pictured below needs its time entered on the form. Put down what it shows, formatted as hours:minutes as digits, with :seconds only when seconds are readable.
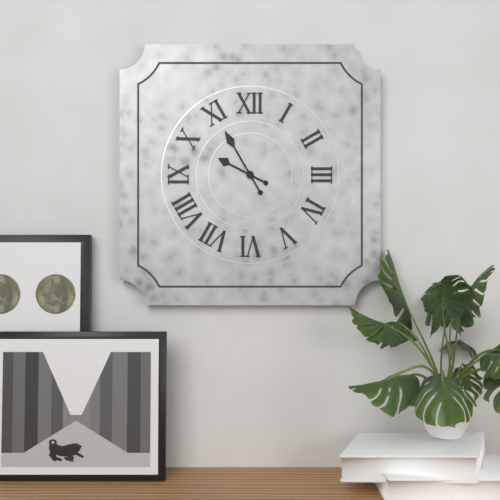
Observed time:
9:55
